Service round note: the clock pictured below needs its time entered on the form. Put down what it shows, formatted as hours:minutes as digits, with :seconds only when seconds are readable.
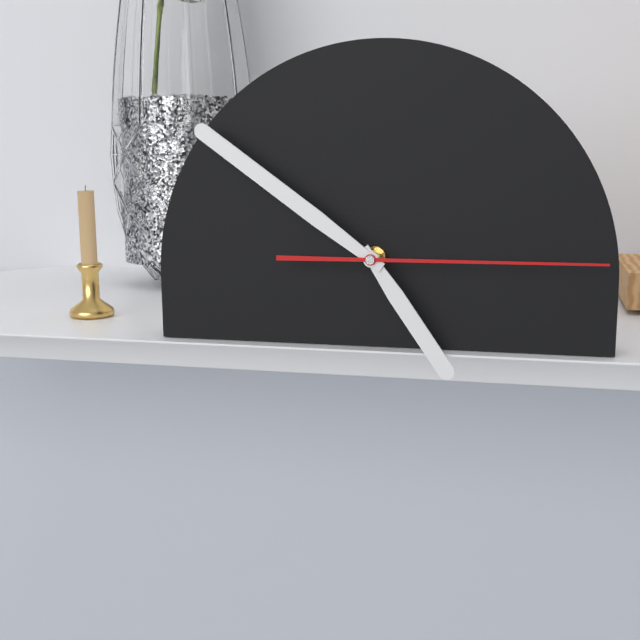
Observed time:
4:51:15
